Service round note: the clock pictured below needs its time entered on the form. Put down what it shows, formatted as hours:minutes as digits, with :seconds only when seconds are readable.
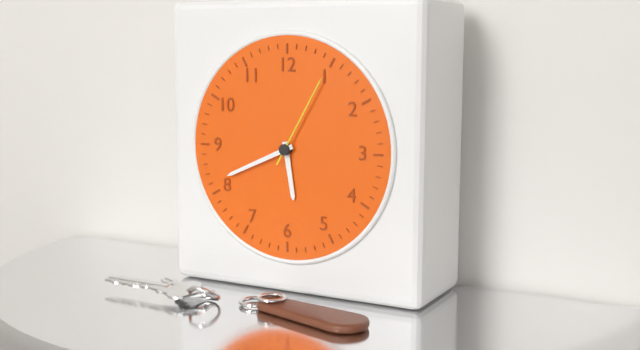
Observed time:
5:41:05
